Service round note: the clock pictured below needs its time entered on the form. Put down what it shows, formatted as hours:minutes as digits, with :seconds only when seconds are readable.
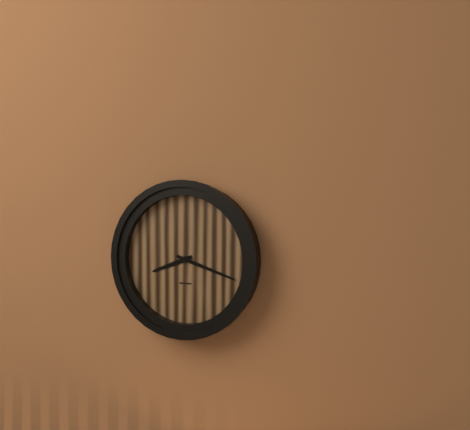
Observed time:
8:18
